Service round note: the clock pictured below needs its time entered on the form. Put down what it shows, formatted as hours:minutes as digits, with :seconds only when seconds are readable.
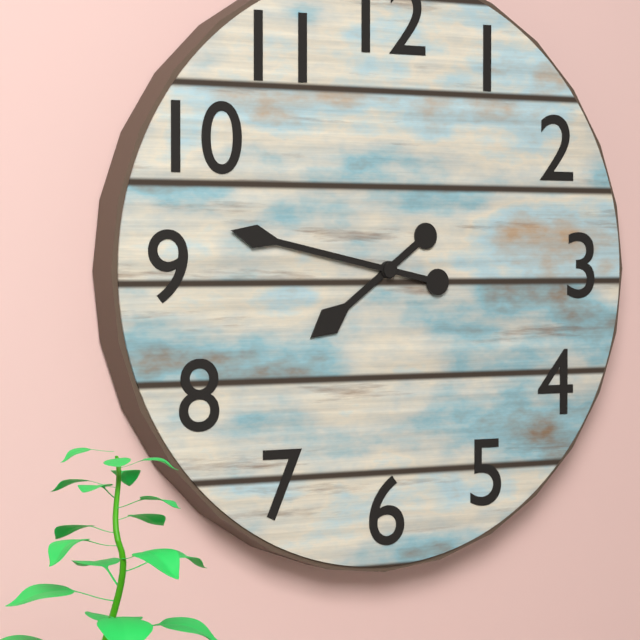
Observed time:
7:47
